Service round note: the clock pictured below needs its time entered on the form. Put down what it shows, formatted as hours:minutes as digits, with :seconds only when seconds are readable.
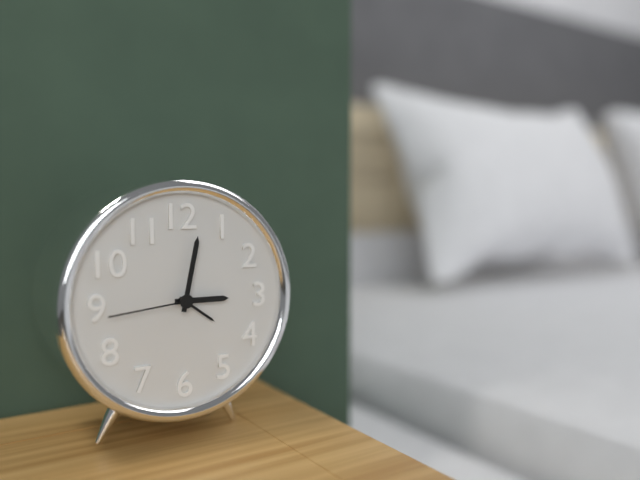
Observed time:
3:02:44
